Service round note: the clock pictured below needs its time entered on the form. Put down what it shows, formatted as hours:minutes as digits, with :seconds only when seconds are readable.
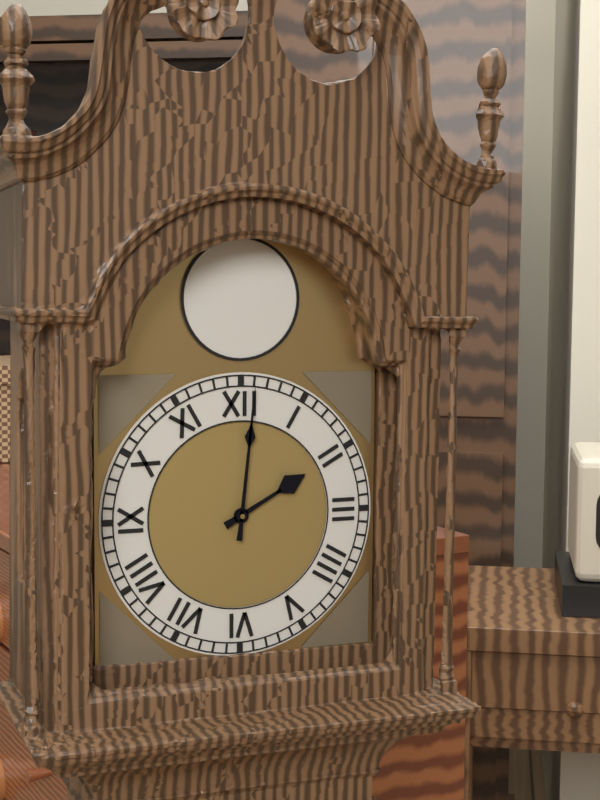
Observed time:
2:01
